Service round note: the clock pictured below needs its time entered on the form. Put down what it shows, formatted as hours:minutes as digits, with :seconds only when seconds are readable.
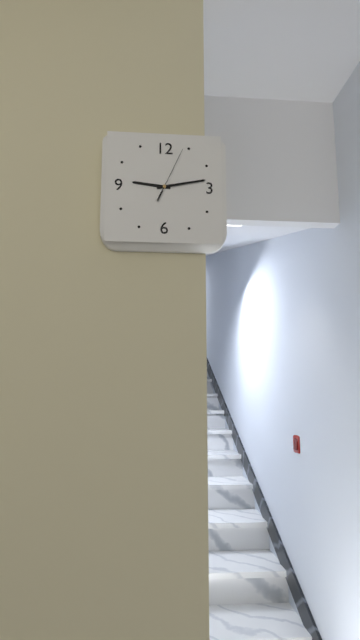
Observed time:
9:13:04
